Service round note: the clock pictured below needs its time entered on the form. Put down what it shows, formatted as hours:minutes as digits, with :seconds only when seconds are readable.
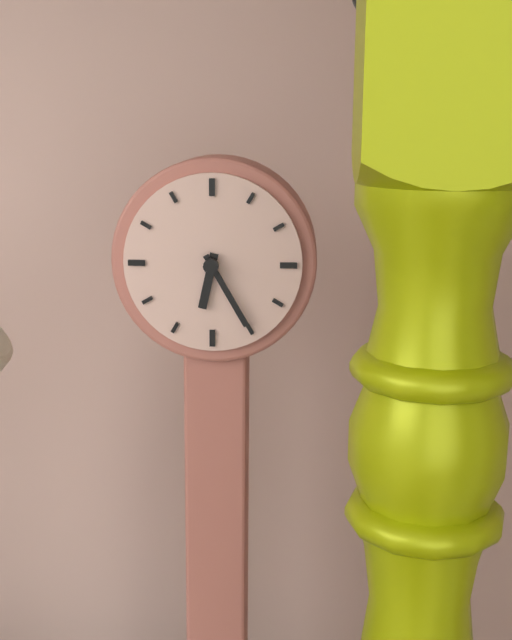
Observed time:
6:25
